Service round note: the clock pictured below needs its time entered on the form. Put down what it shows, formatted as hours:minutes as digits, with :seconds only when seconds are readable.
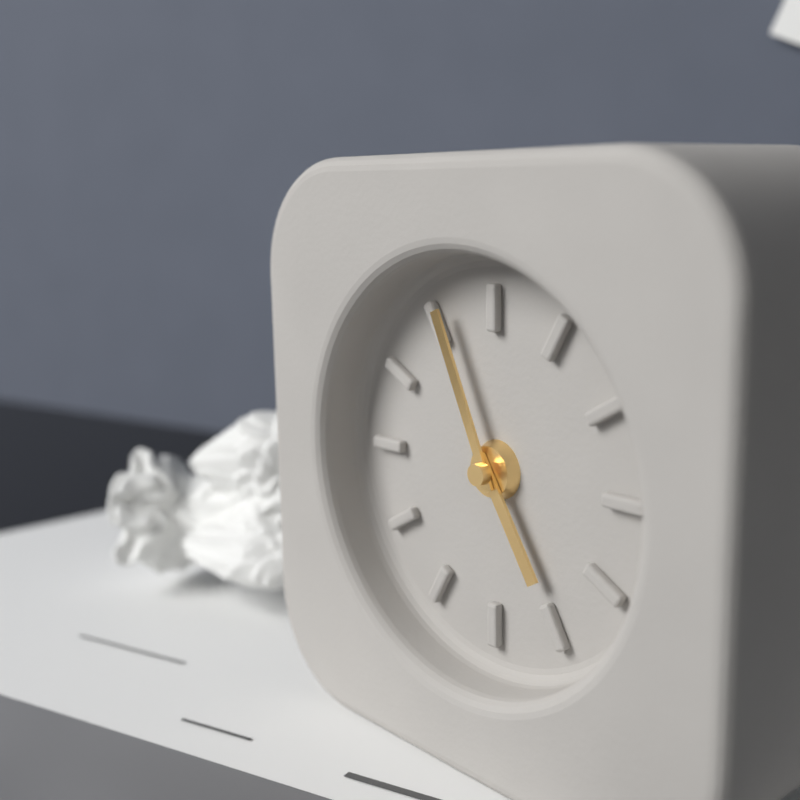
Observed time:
4:56
